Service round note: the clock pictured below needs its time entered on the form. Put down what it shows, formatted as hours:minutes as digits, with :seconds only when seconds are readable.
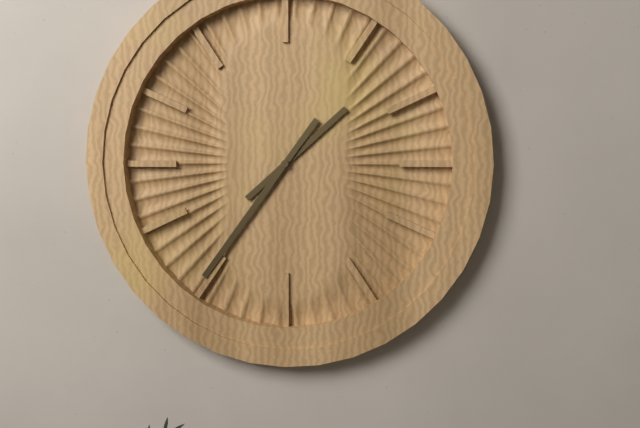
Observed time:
1:36
